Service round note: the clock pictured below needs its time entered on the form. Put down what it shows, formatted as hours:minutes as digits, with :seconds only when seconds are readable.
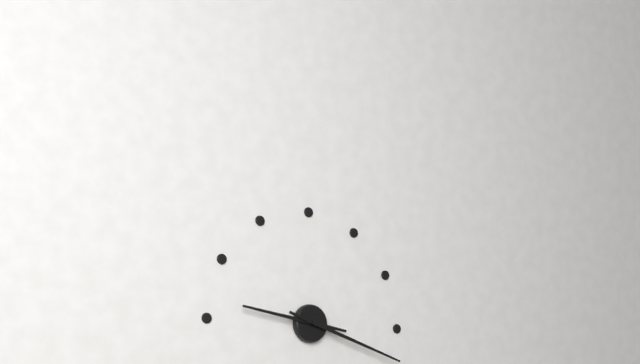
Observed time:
9:18
